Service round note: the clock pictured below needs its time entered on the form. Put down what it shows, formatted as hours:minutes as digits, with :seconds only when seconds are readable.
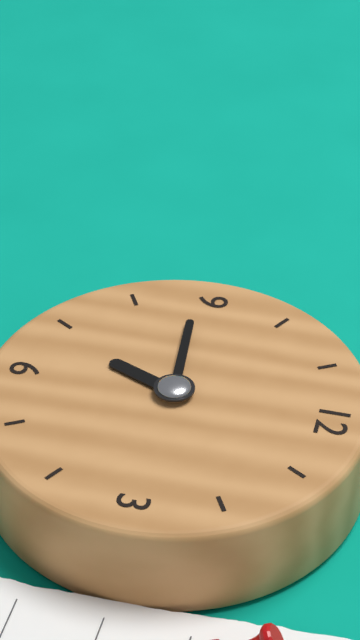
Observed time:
6:44
